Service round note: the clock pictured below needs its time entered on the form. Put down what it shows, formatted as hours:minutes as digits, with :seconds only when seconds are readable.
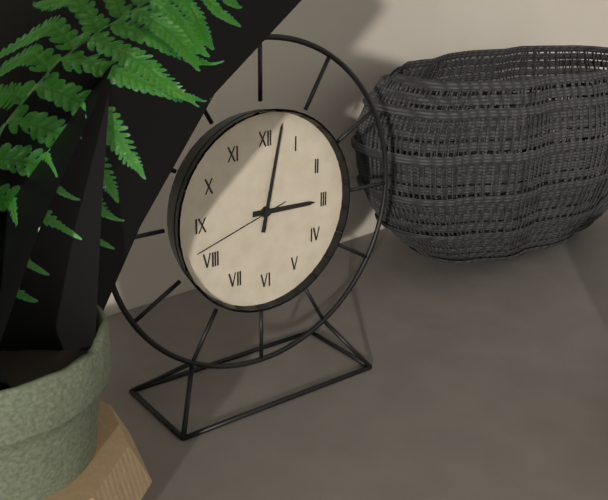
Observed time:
3:02:42
